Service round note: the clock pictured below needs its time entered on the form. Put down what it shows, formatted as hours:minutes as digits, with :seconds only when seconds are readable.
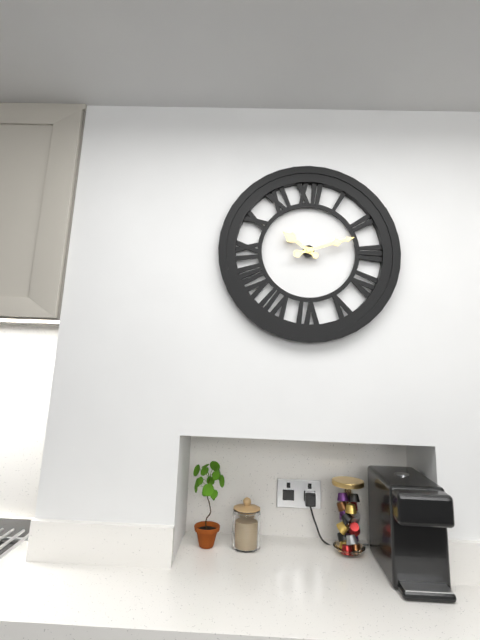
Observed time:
10:12
